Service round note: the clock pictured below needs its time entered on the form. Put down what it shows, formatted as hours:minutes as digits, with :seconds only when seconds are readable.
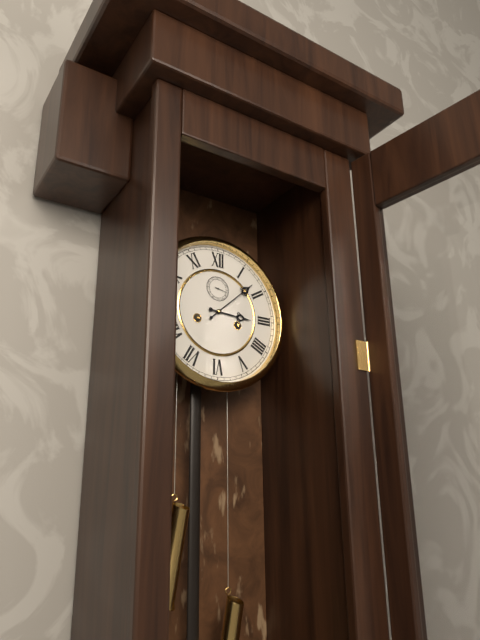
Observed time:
3:08
